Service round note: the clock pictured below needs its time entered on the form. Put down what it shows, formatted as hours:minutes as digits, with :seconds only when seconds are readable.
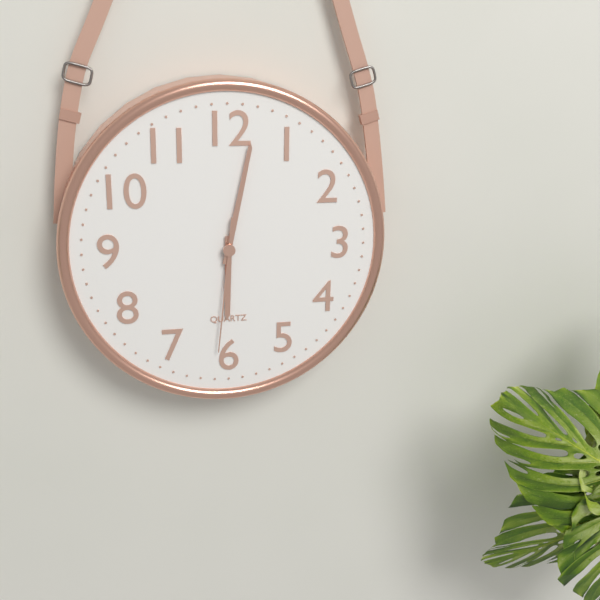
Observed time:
6:02:31
